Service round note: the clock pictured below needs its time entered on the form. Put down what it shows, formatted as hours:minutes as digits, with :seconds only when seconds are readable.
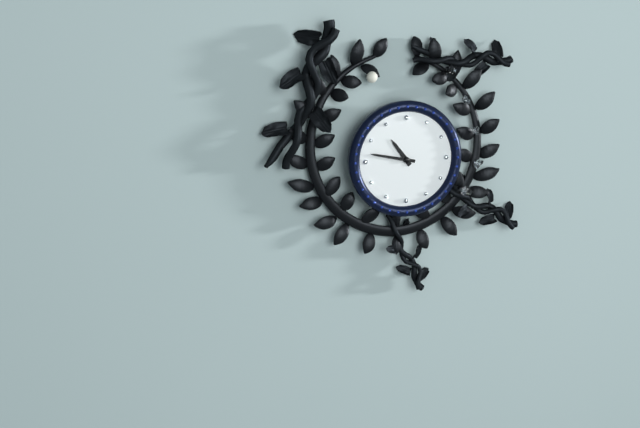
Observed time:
10:47
